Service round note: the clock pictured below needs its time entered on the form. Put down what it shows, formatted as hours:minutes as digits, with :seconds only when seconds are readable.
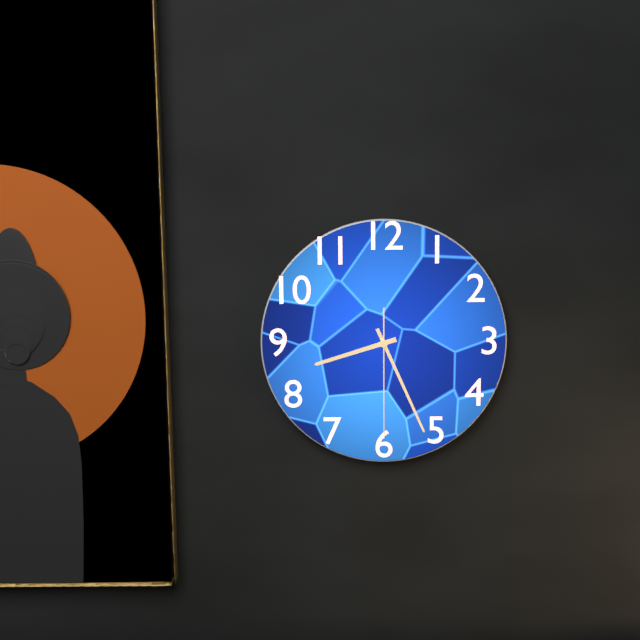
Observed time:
8:26:30
